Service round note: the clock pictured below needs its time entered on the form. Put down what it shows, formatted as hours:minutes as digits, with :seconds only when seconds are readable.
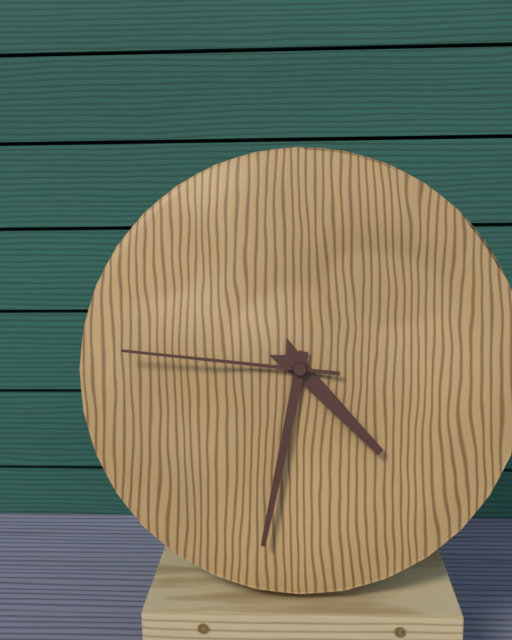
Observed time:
4:32:46
